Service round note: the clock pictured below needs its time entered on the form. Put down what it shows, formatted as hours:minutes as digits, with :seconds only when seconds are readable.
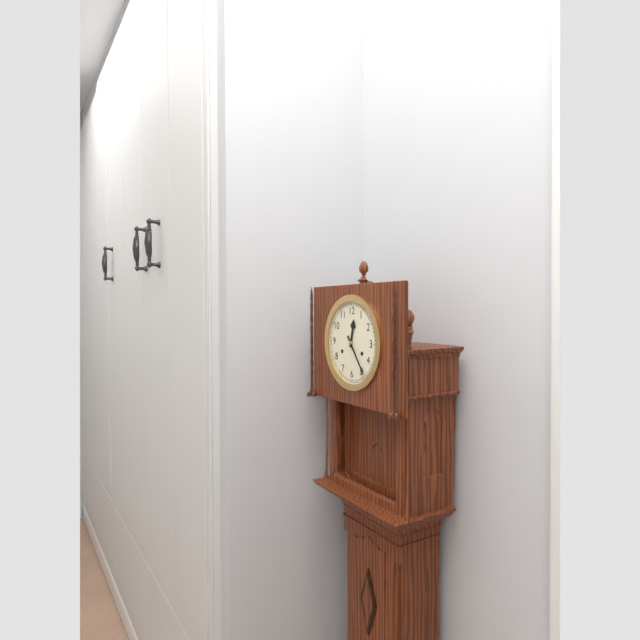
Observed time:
12:24
